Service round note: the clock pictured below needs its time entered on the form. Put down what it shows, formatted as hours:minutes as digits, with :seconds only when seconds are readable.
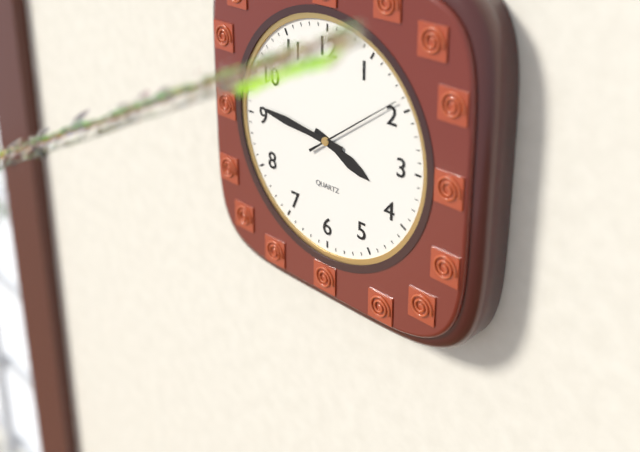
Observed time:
3:46:09
